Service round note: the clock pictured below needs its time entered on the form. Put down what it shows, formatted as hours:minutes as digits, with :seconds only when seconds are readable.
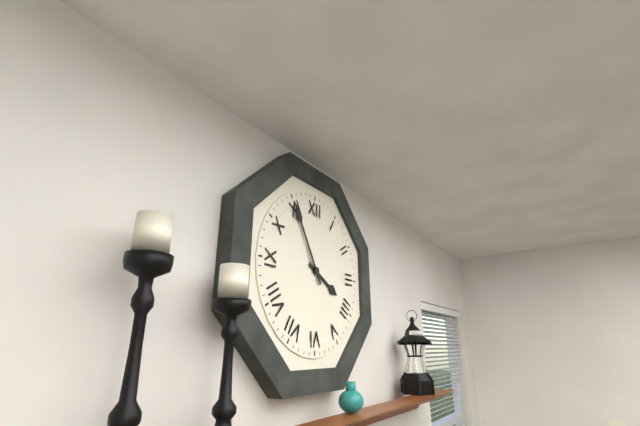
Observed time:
3:55
